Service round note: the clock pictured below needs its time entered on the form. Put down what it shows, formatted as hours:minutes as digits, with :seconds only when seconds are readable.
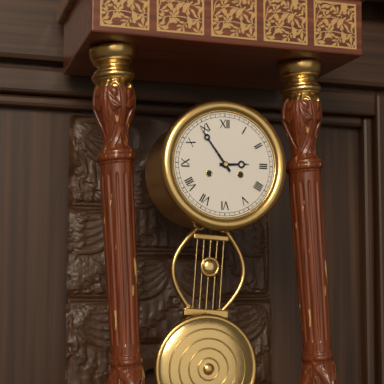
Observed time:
2:54
